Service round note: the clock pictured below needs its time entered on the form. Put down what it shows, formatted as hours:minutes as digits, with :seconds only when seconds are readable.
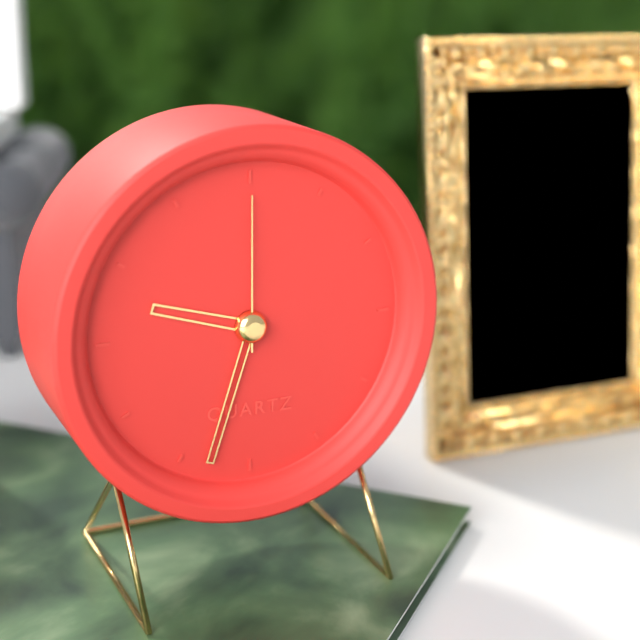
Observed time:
9:33:00
